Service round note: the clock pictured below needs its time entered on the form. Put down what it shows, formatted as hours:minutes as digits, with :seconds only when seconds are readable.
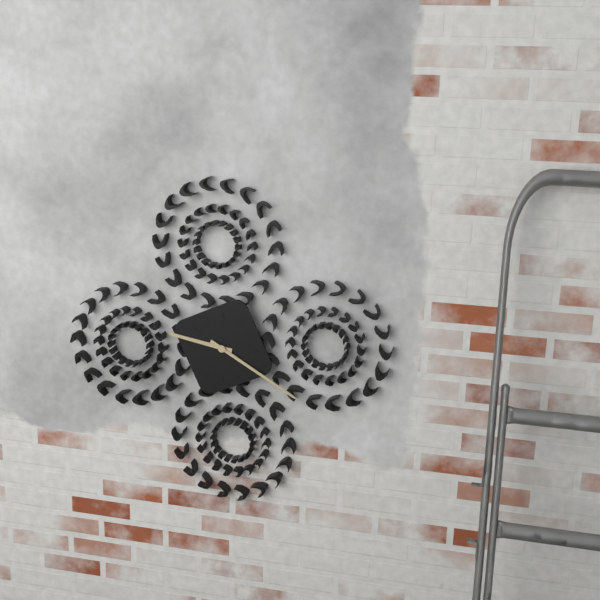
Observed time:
9:20
